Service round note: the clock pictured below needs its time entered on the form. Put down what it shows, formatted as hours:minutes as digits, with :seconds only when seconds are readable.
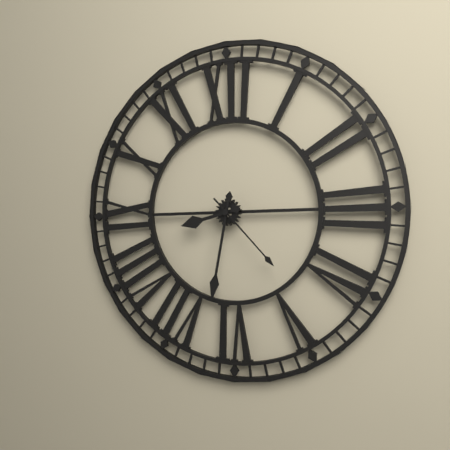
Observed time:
8:32:23
